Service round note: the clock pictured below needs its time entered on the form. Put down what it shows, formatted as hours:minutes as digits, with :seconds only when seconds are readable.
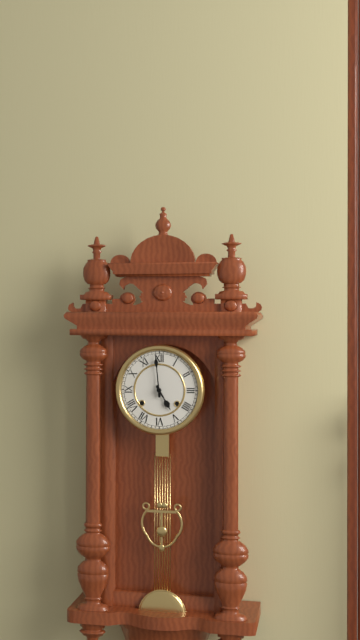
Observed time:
4:59
